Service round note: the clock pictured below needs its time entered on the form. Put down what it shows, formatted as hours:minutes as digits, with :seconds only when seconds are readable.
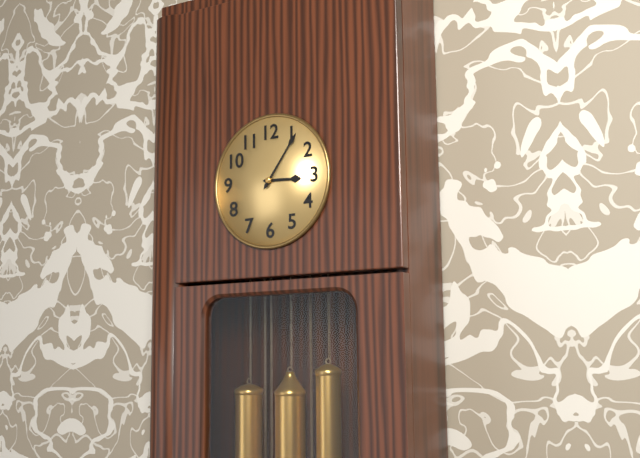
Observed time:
3:06
